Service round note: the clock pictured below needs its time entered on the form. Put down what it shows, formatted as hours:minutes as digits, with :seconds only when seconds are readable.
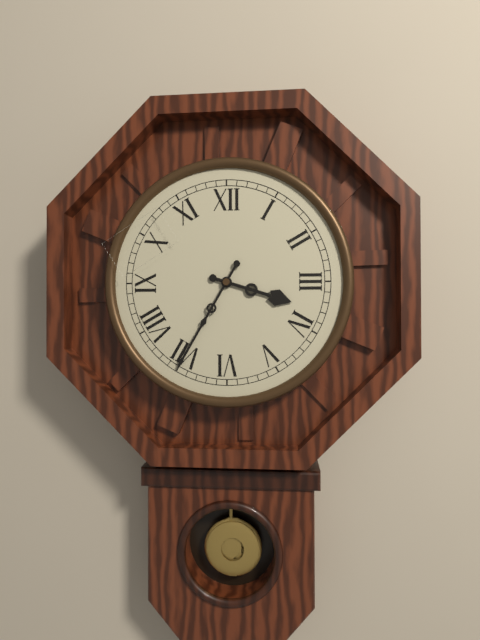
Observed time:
3:35
